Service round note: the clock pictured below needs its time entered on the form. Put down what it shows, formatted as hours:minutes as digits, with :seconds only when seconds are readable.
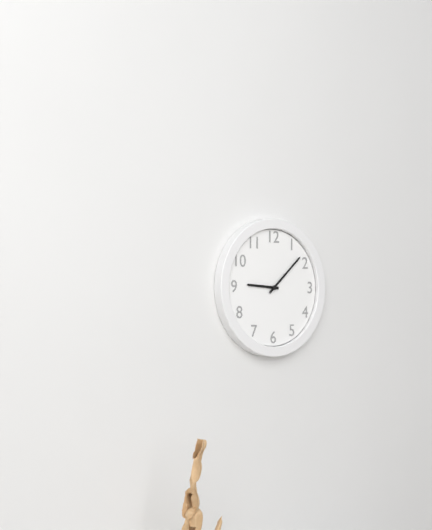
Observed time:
9:08
